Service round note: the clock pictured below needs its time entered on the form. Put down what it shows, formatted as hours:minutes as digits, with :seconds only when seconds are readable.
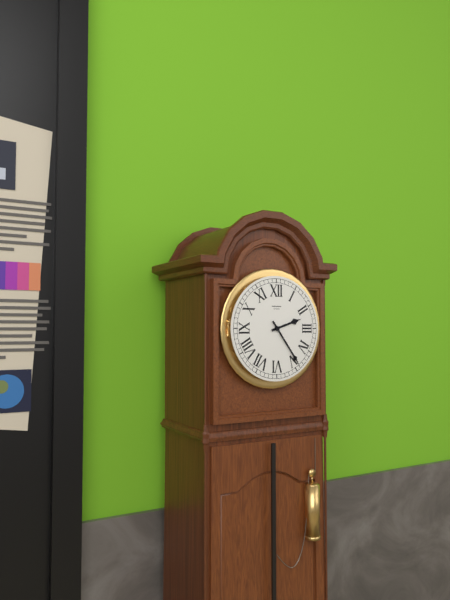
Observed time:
2:24
